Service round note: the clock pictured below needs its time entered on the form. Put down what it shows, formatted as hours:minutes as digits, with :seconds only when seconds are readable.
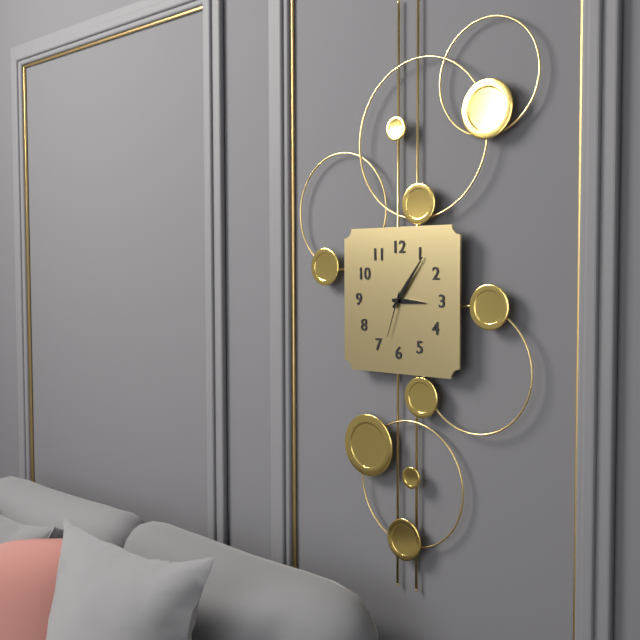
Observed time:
3:06
